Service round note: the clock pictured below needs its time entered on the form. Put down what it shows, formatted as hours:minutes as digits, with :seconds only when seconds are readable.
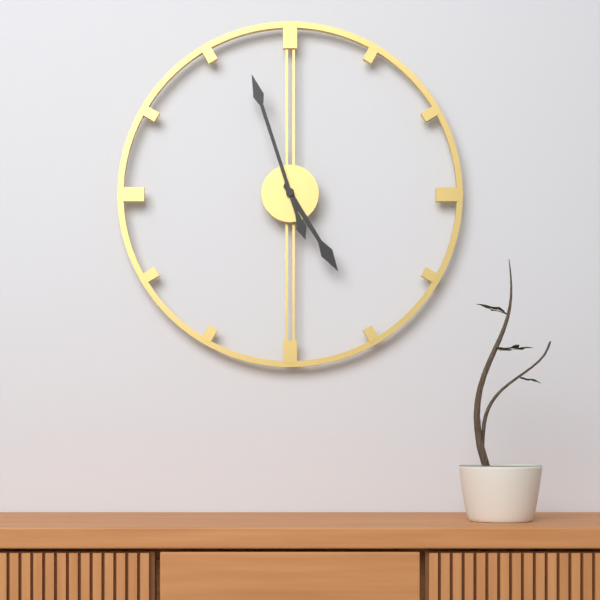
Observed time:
4:57
